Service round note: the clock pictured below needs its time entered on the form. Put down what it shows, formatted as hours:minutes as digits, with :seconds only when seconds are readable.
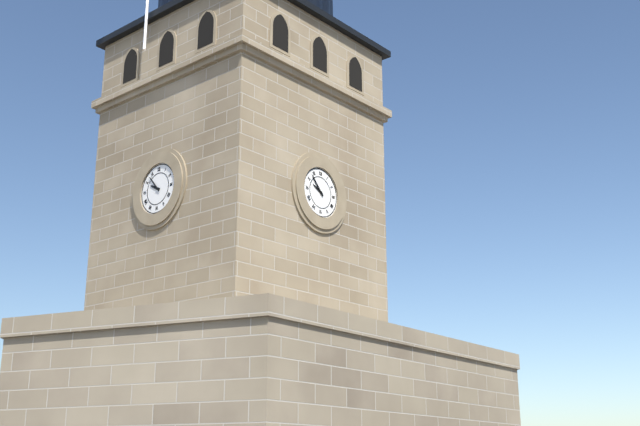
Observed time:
9:53
